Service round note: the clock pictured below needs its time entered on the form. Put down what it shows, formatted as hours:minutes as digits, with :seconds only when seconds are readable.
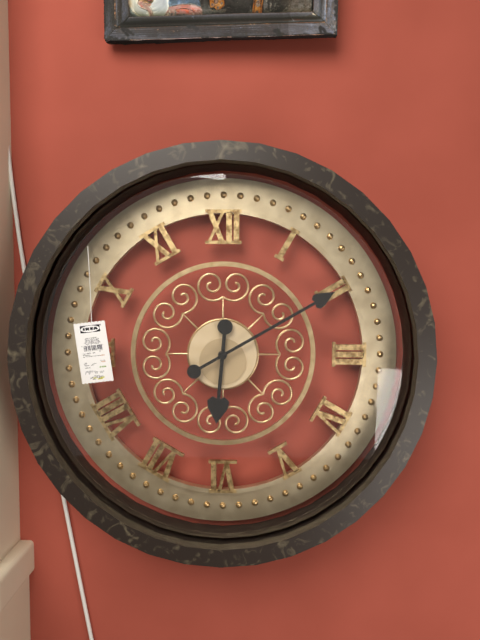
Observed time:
6:10
